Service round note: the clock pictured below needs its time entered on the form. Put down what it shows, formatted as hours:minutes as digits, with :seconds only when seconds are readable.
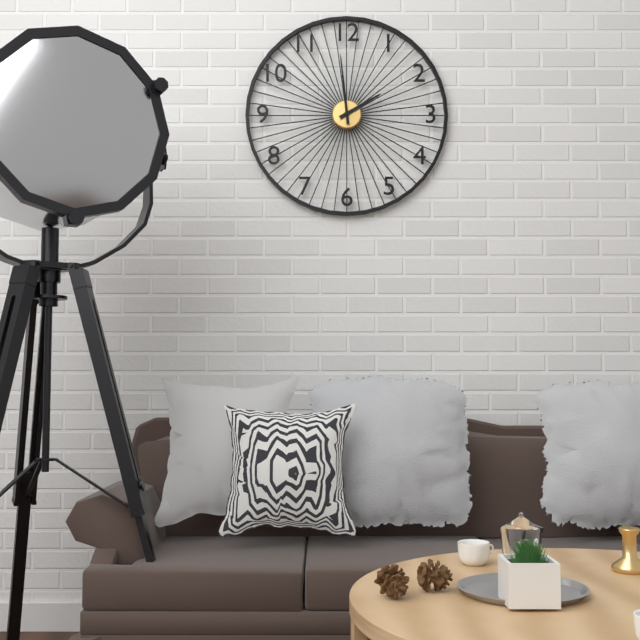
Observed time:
1:59
